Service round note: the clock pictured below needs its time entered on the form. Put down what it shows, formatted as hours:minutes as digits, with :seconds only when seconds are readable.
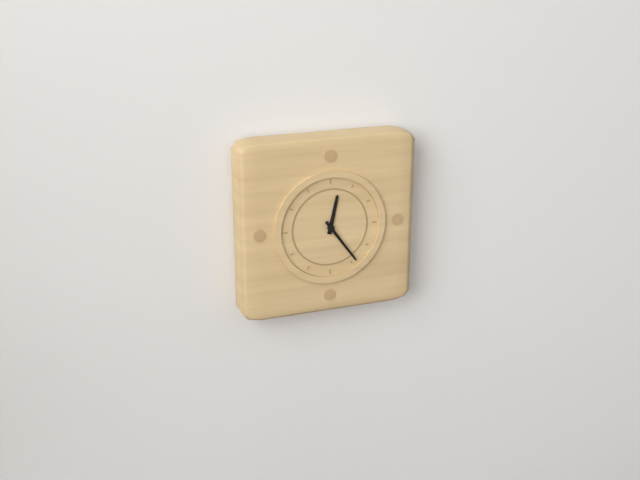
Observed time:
12:24
